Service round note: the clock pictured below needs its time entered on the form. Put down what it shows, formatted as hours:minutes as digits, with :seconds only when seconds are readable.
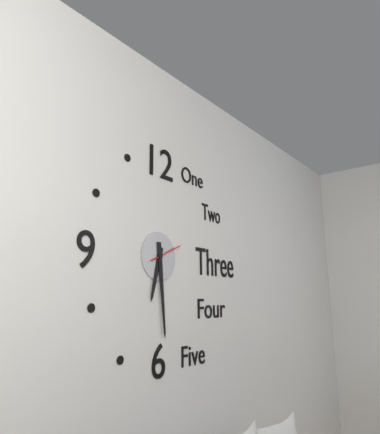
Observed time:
6:29
